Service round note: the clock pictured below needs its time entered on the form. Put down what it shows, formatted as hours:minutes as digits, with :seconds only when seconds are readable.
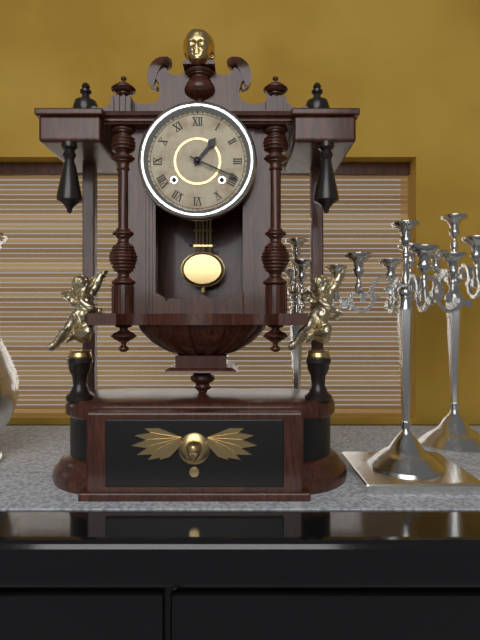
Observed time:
1:19
